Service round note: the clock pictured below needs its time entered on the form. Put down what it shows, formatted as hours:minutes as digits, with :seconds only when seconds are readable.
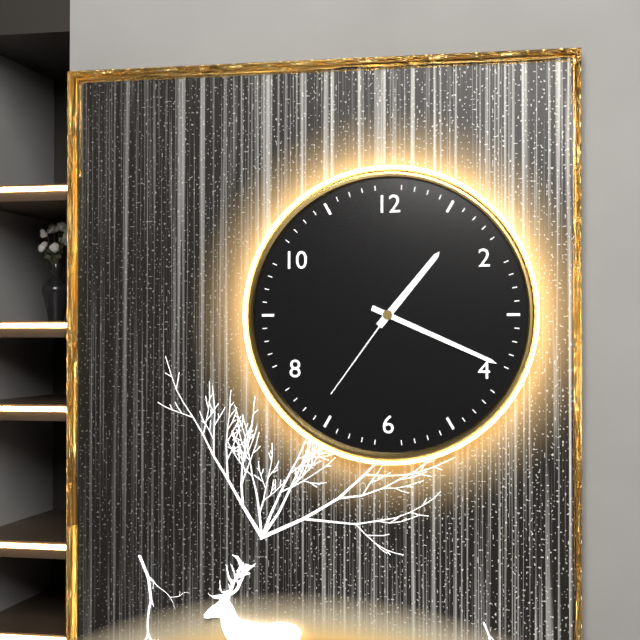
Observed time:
1:19:36
